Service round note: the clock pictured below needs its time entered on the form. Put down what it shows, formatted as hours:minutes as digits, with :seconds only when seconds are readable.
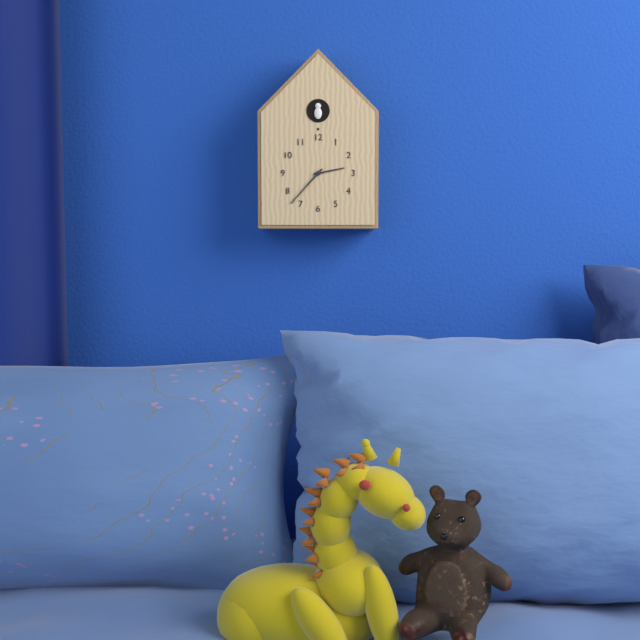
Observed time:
2:37
